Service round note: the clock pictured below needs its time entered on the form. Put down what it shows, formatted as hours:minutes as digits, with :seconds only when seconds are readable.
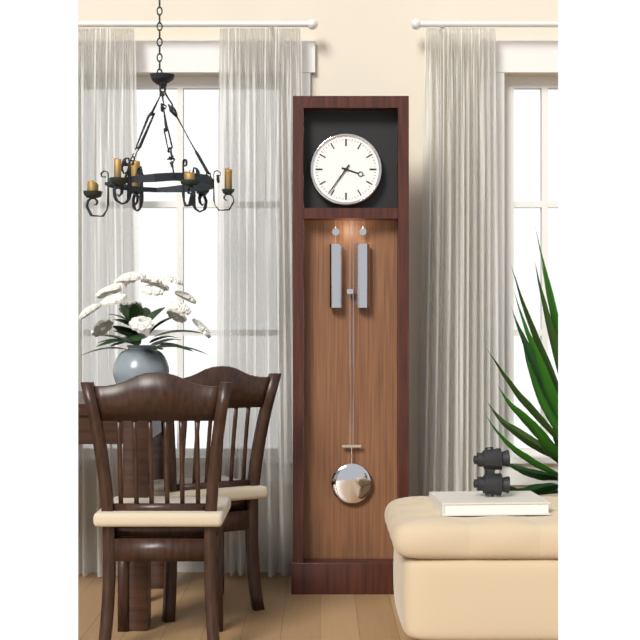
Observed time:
3:36
